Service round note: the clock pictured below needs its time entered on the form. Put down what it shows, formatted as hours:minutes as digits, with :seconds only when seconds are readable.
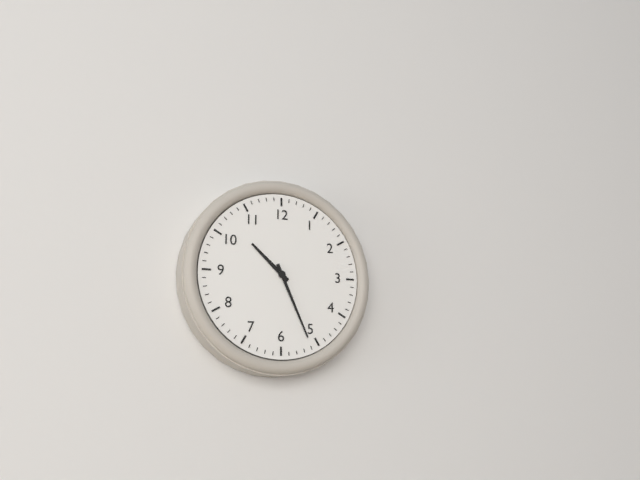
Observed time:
10:26
